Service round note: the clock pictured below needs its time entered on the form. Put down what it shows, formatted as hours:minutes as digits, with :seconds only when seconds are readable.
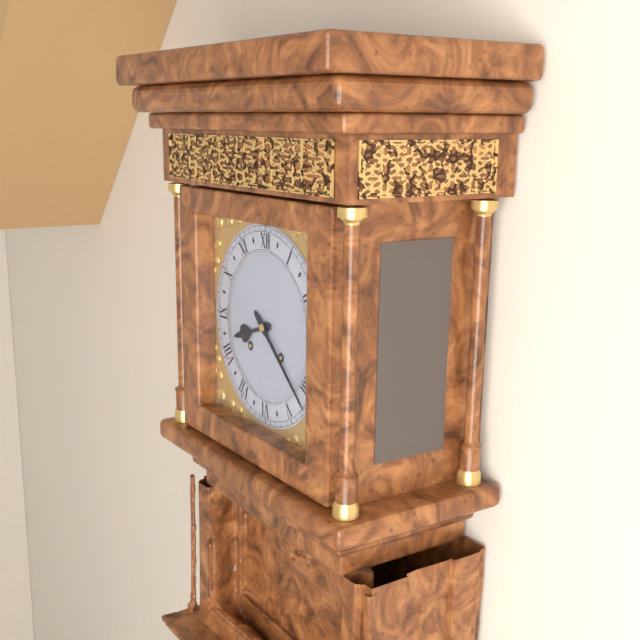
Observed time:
8:22
